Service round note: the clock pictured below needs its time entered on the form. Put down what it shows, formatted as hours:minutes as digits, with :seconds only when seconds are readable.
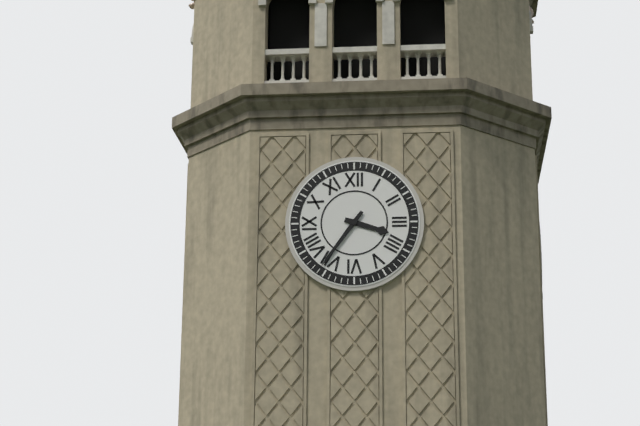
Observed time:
3:36
